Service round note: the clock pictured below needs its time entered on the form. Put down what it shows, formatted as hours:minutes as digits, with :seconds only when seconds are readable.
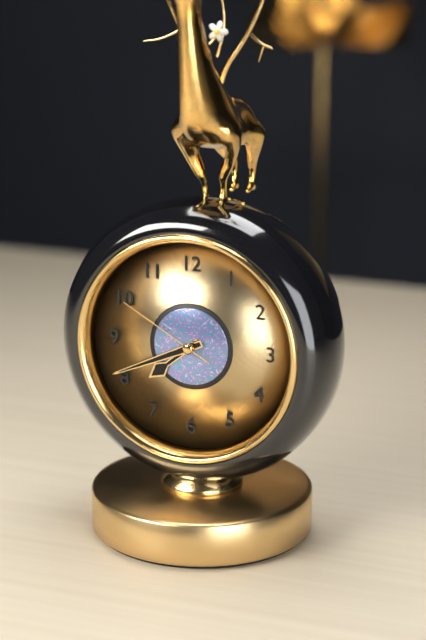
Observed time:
7:41:50
